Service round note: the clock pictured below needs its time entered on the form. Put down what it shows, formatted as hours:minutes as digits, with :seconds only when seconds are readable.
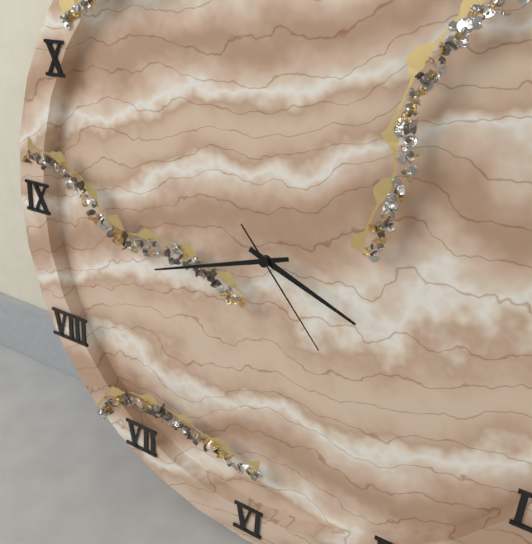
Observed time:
3:42:23
